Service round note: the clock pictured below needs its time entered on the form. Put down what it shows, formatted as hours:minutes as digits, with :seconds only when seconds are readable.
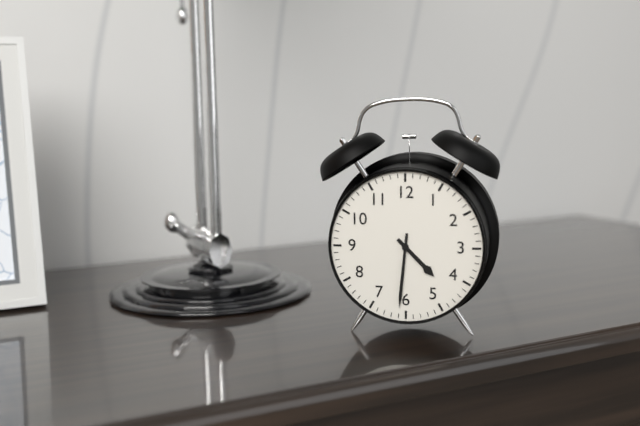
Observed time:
4:31
